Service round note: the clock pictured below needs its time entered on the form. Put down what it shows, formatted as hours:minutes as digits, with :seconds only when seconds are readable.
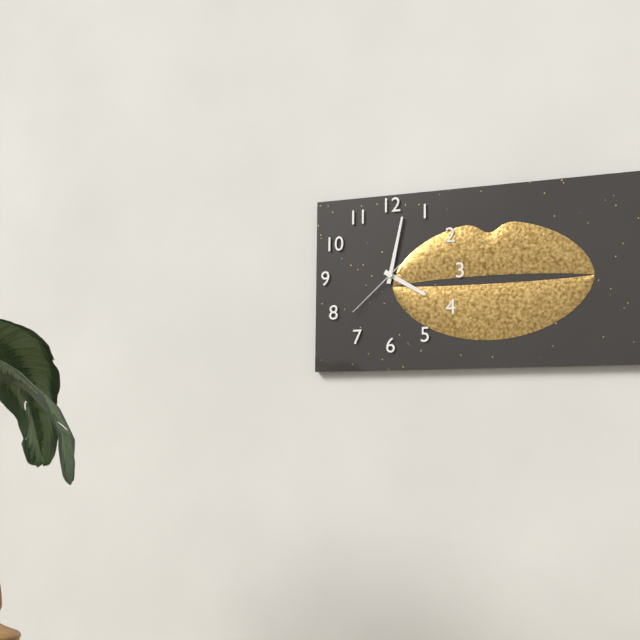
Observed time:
4:02:38
